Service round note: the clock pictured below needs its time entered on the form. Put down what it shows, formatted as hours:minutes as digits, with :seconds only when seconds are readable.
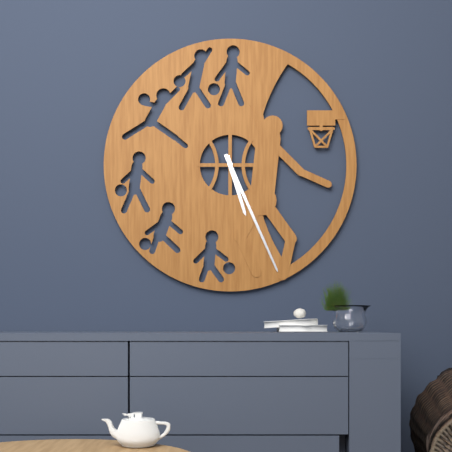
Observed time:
5:26
